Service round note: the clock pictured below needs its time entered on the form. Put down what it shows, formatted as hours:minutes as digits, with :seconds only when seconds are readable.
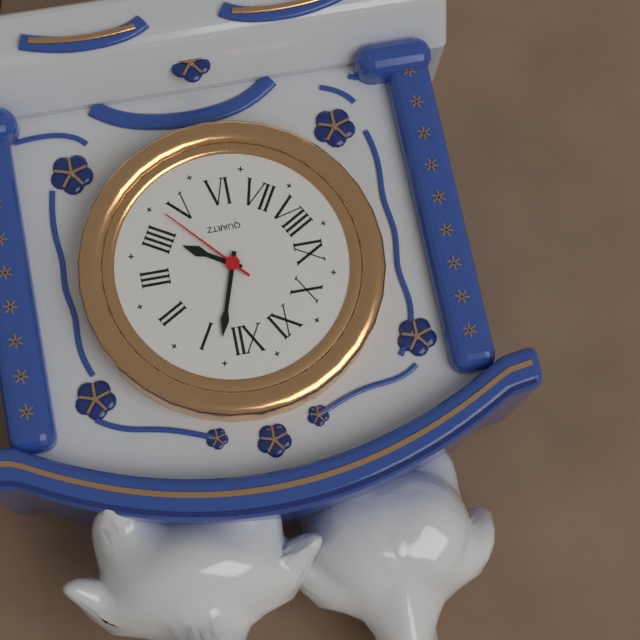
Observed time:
4:03:23
